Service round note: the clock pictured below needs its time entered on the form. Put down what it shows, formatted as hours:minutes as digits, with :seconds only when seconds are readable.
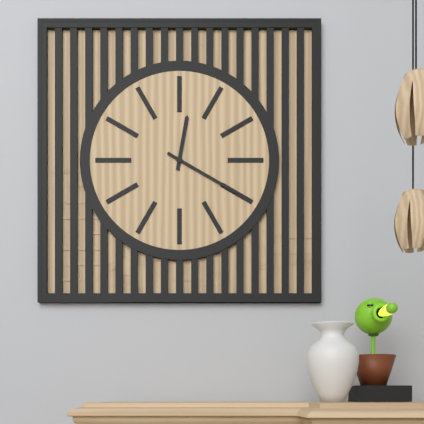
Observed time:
12:20
